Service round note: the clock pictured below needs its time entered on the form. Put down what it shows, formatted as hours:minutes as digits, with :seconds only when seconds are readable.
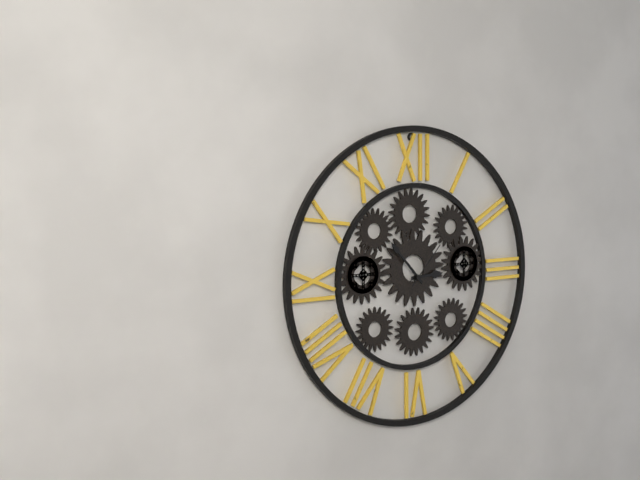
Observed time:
2:53:07
